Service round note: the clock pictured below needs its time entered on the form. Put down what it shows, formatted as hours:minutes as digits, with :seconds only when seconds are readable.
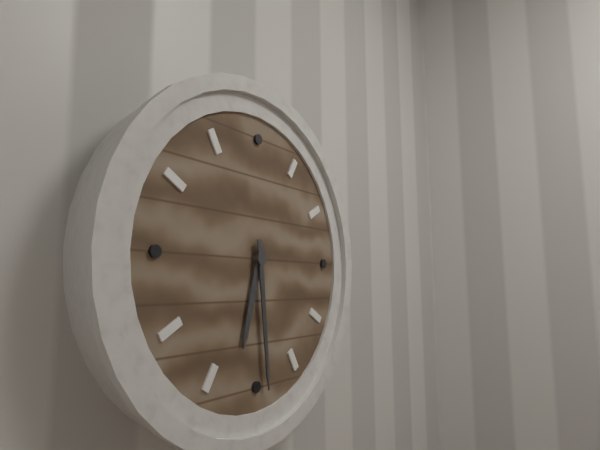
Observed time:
6:29
